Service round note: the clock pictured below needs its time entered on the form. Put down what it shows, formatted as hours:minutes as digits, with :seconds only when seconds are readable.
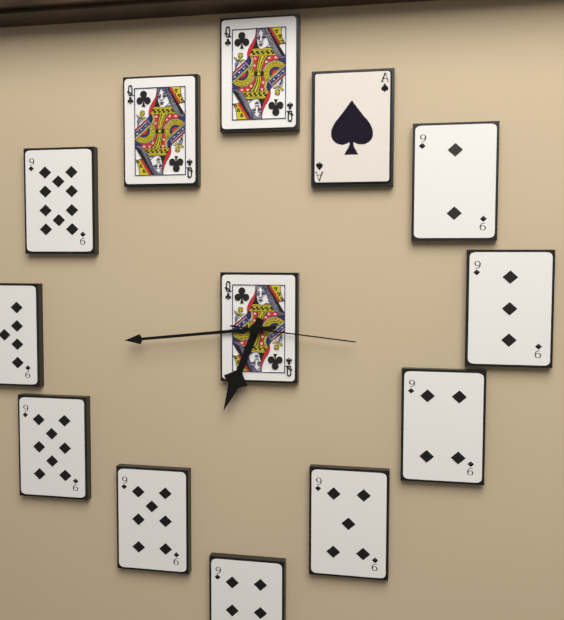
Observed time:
6:44:16
